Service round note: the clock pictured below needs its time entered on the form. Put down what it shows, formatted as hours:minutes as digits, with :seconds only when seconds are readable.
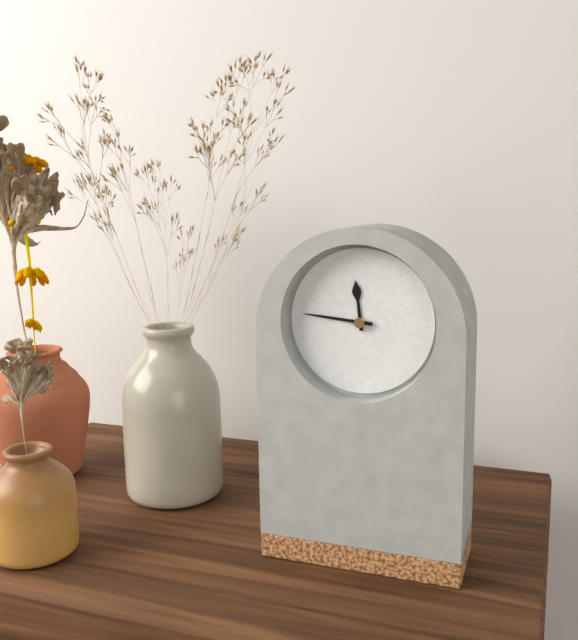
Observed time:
11:46
